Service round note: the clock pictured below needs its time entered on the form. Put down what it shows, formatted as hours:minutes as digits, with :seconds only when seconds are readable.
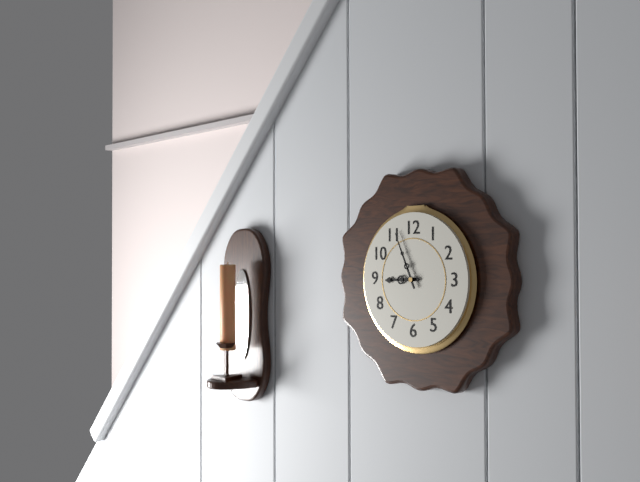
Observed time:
8:56
